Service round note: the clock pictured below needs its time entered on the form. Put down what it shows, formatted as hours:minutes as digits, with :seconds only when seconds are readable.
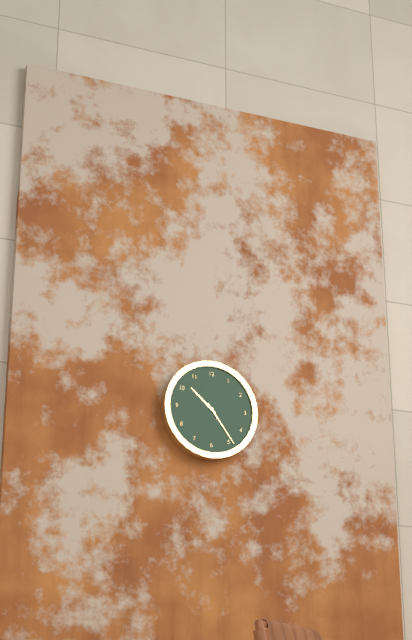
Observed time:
10:24
